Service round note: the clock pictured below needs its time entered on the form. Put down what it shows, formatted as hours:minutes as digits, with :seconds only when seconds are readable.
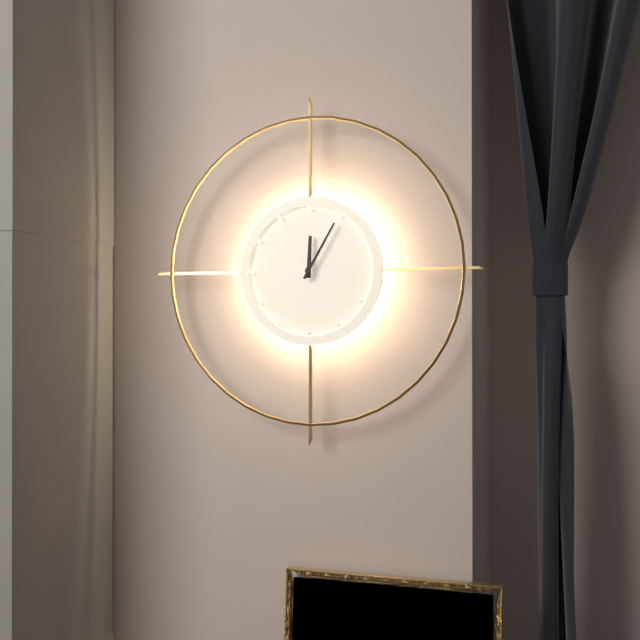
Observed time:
12:05
